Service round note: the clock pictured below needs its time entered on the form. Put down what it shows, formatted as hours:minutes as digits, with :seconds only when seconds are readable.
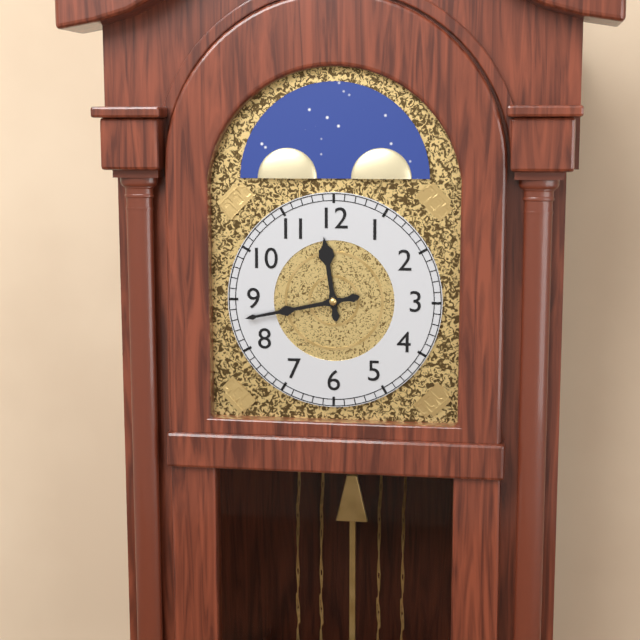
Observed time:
11:43
